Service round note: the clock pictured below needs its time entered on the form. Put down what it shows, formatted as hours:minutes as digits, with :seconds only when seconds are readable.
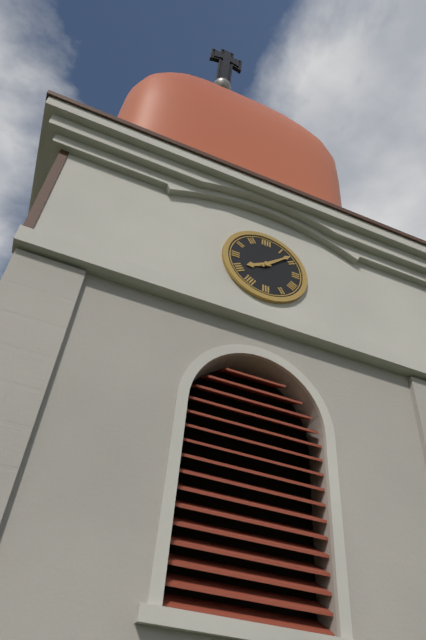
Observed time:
8:08
